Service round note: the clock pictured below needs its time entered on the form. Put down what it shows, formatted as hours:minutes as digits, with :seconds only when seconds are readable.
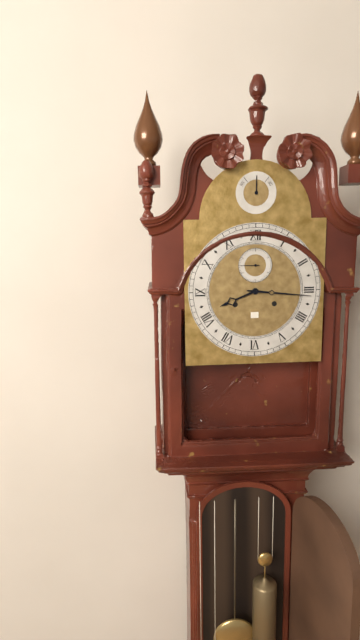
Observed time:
8:16
